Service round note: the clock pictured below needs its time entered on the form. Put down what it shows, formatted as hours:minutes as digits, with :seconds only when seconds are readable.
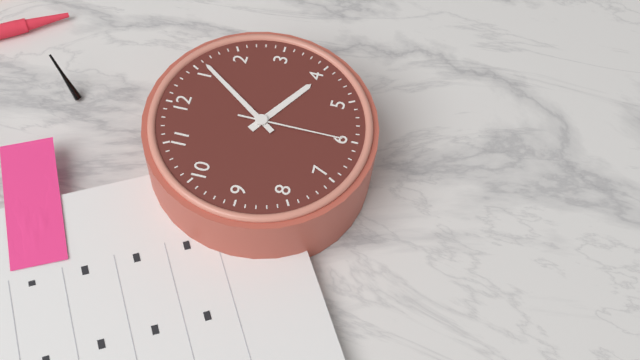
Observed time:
4:06:30
